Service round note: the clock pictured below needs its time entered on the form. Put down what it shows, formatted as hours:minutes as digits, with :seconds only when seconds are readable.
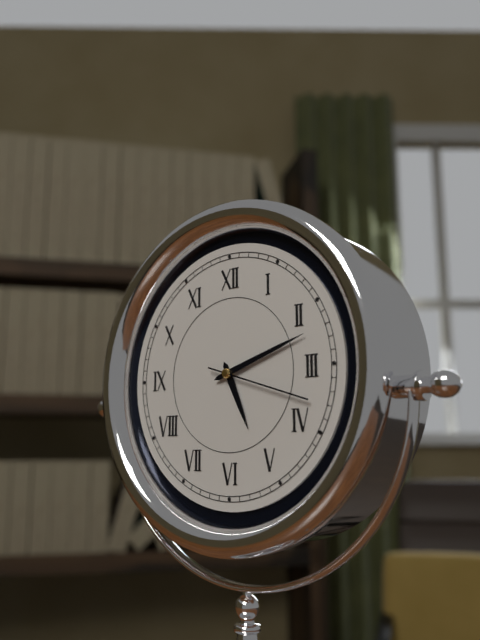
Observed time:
5:12:18
